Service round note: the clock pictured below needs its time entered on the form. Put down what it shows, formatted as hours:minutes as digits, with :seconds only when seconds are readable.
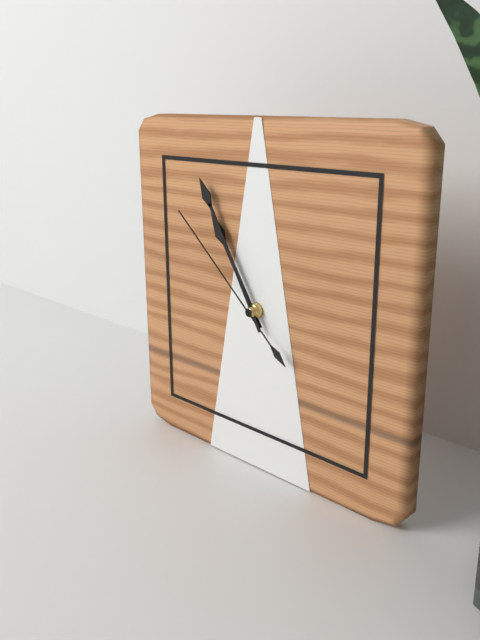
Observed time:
10:55:52
